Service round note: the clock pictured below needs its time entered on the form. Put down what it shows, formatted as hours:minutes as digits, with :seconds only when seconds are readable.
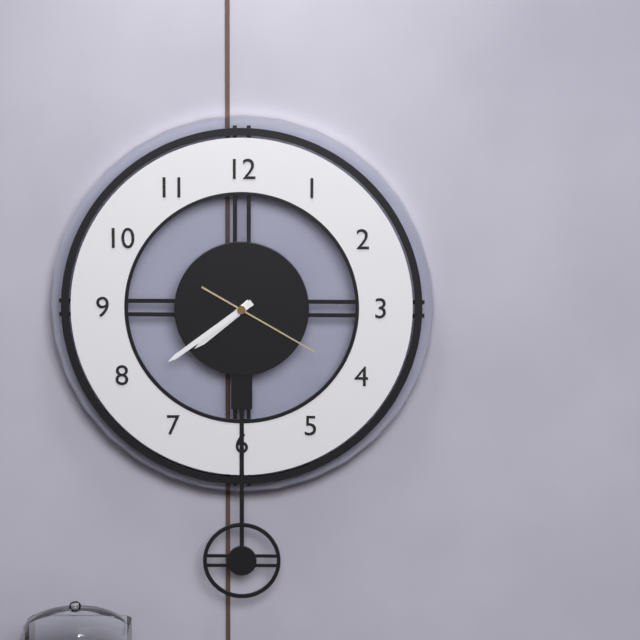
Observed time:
7:39:20
